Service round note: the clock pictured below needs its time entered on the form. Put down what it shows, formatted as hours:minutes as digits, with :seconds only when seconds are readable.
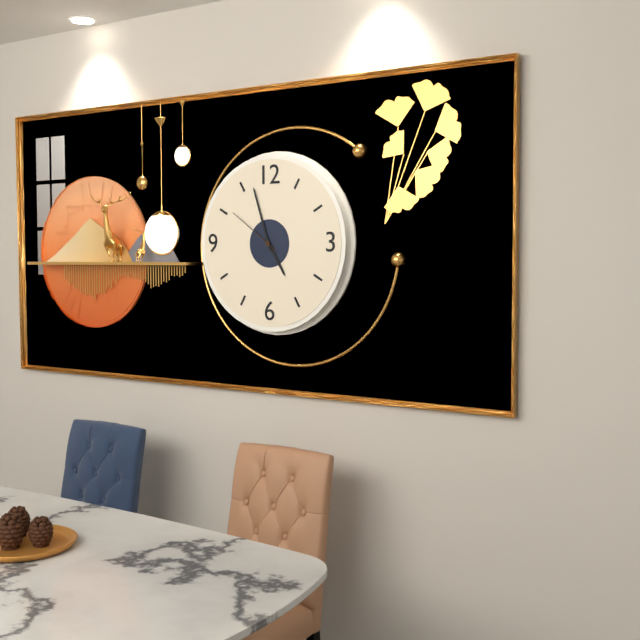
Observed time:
4:57:51
